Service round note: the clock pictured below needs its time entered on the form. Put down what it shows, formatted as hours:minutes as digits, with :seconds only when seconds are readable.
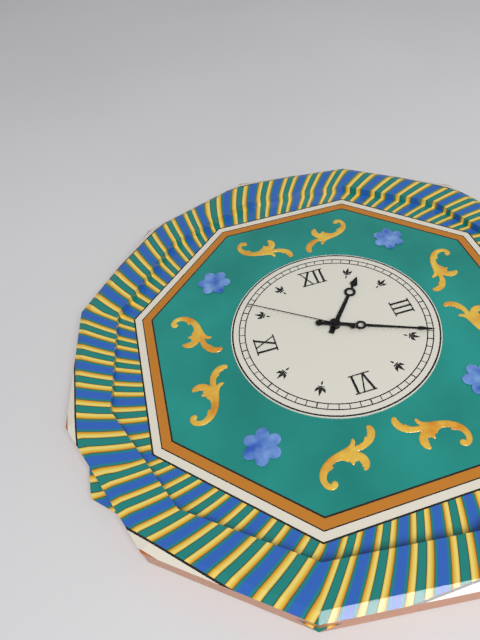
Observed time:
1:19:51
